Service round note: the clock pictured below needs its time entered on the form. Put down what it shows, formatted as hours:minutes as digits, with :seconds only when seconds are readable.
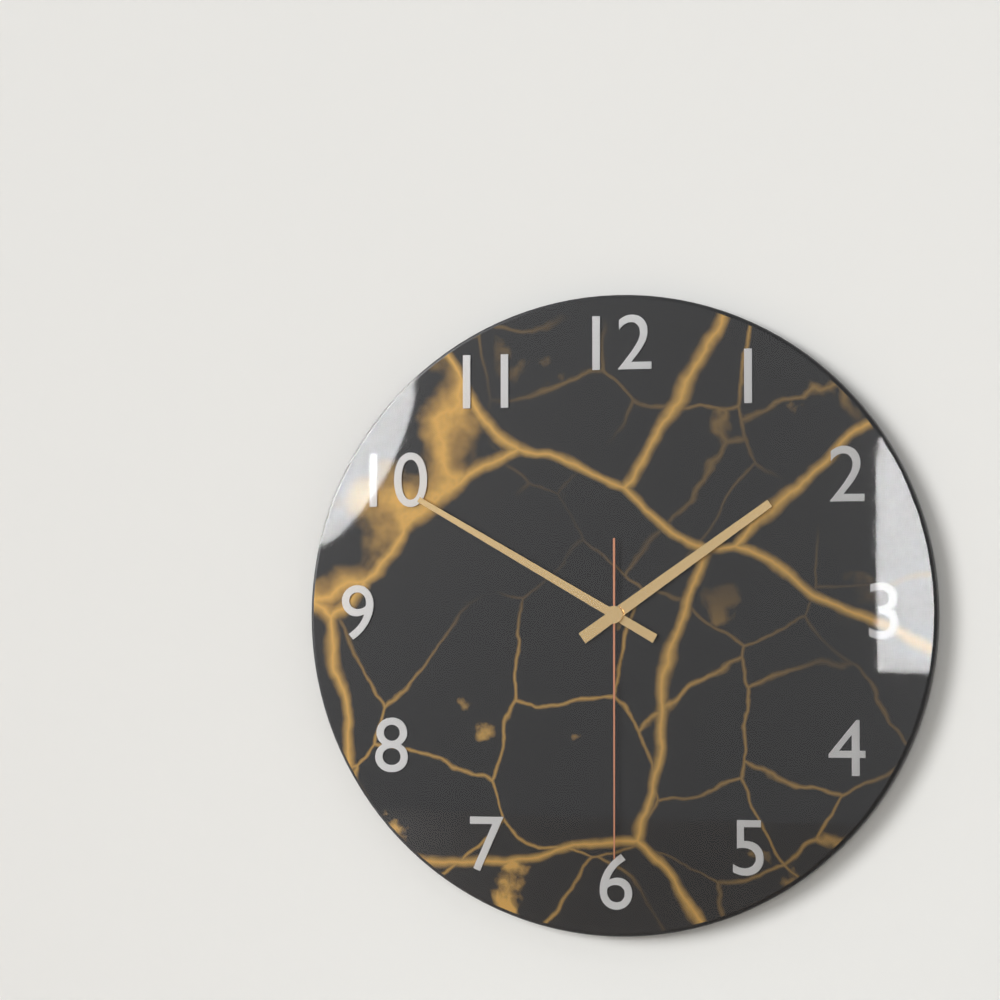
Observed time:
1:50:30
